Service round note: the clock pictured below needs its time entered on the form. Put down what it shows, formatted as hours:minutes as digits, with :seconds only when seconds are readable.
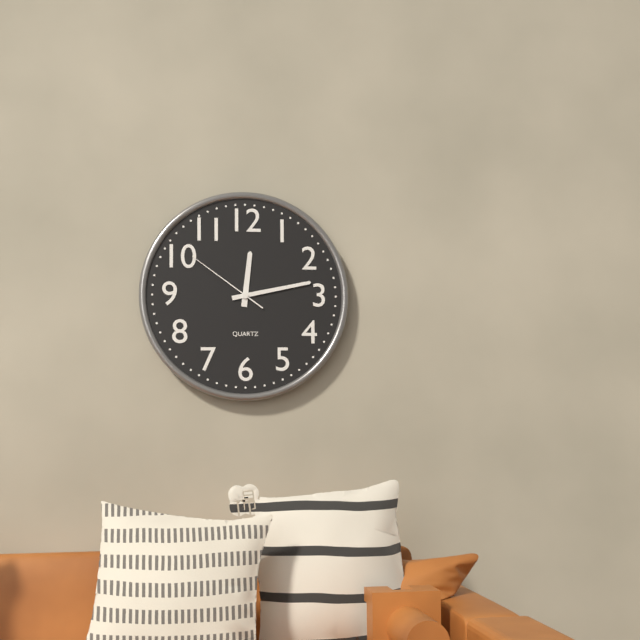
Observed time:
12:13:51
